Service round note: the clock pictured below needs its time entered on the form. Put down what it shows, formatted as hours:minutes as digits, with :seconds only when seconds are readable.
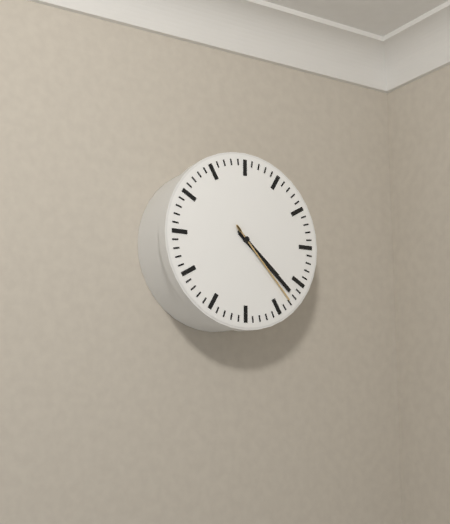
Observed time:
4:22:23
